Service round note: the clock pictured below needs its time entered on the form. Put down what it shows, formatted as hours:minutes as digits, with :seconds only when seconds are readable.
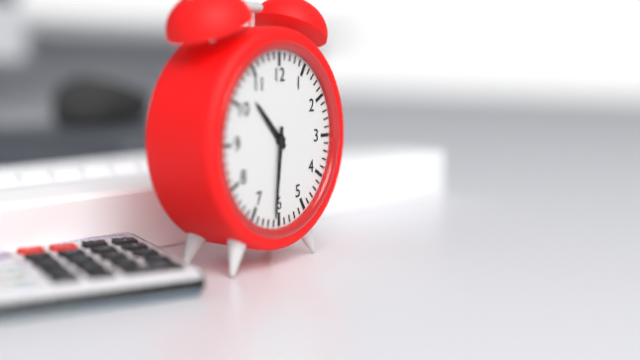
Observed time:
10:31
